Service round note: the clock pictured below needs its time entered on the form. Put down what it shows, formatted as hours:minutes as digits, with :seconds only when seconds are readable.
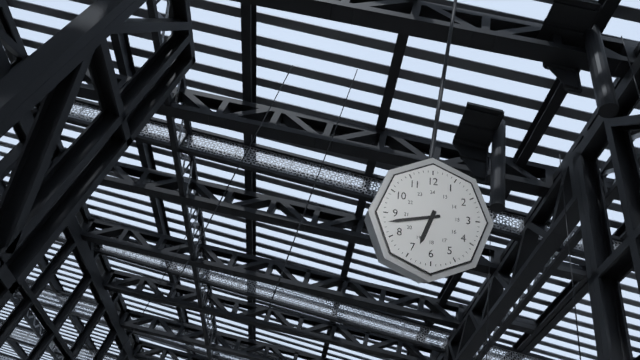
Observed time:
6:43
